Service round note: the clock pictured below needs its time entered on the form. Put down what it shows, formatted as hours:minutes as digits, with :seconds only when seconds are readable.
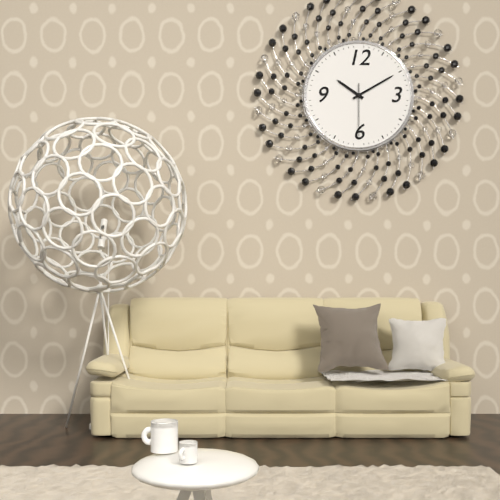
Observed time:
10:10:30
